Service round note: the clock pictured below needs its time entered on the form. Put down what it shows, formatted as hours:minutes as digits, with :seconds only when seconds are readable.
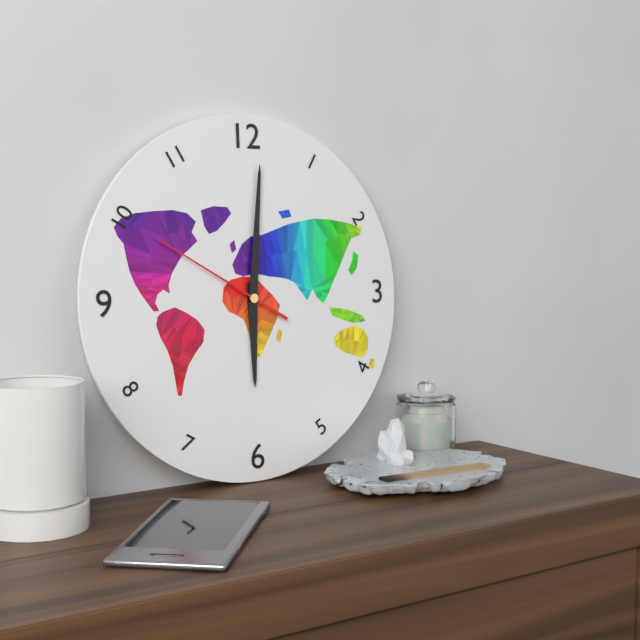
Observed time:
6:01:50
